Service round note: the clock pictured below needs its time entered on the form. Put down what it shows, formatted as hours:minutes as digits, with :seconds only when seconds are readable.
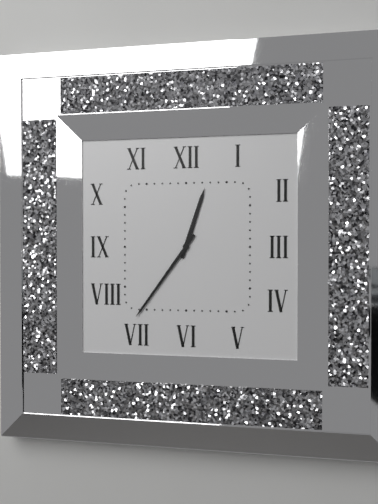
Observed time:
12:36
